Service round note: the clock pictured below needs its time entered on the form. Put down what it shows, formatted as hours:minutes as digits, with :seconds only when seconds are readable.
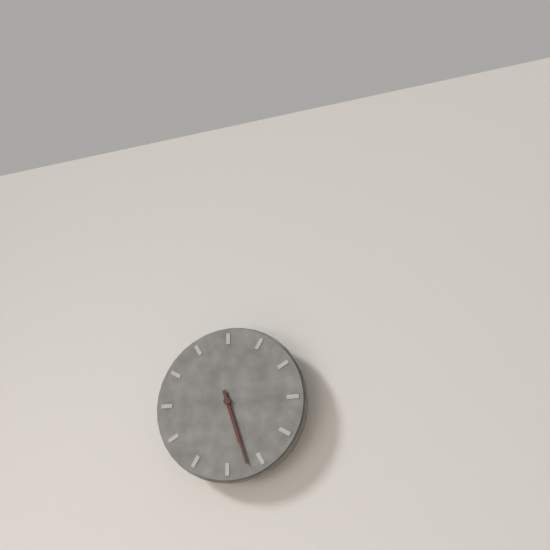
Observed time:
5:27
